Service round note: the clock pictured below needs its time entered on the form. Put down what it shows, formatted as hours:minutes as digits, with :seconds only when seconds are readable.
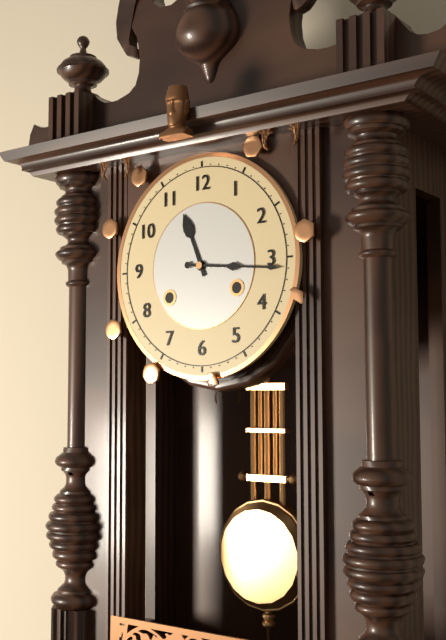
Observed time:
11:16
